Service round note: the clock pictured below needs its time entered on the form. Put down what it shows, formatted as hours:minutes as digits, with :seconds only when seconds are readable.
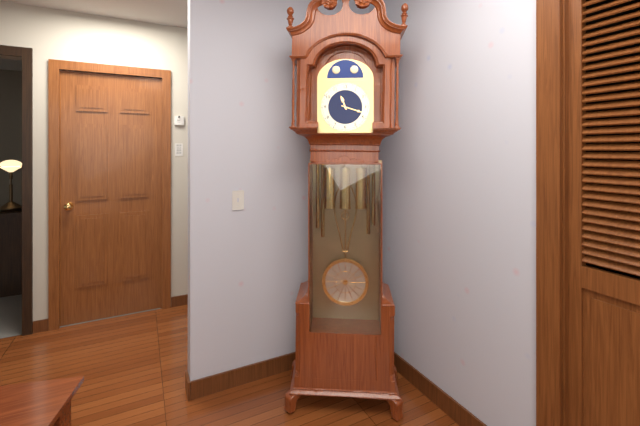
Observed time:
11:18
